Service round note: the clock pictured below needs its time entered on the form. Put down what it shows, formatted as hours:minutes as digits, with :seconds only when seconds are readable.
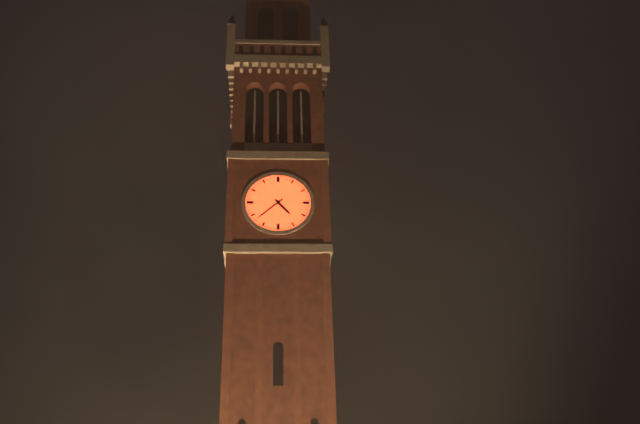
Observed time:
4:38
